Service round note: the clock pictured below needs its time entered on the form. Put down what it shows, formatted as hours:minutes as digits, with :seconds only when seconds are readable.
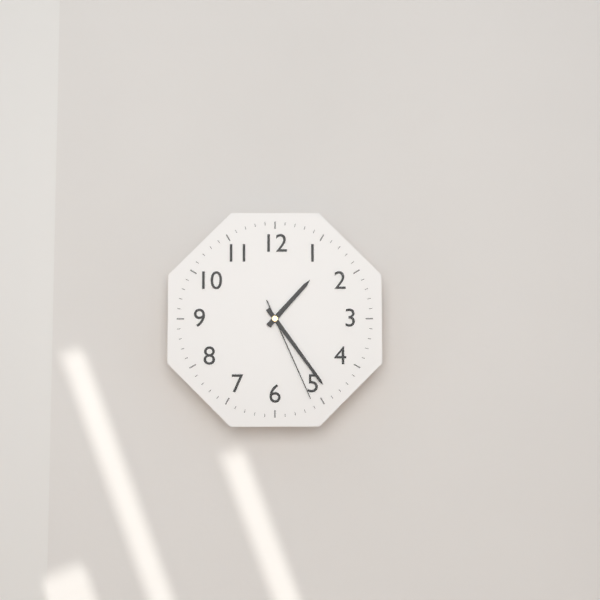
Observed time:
1:24:26
